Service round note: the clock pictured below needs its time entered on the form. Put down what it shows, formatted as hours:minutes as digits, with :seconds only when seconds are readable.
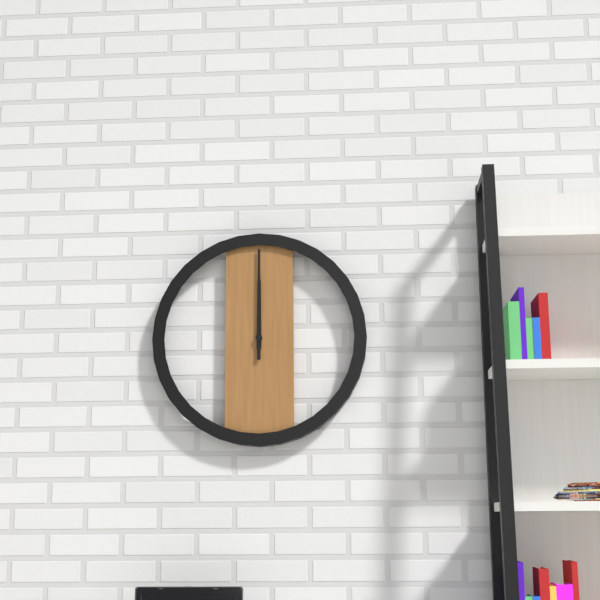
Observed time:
12:00
